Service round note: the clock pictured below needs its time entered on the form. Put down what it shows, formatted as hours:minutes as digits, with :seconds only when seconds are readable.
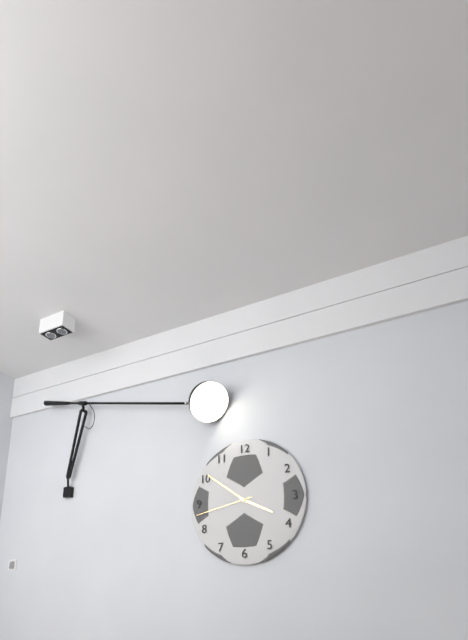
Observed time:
3:51:43
